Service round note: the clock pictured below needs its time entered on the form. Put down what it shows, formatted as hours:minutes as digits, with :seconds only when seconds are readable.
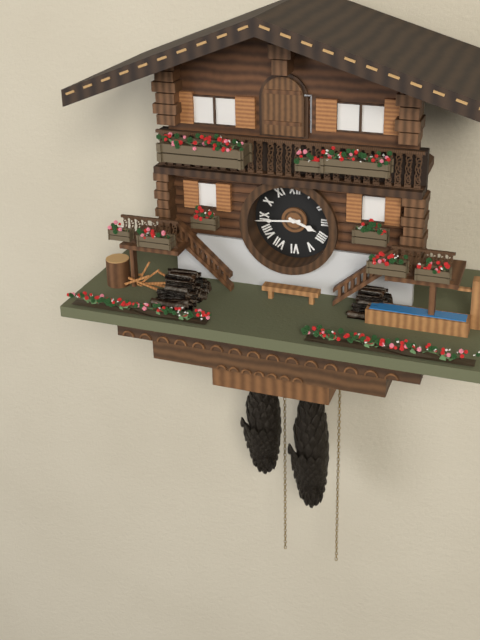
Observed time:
3:44
